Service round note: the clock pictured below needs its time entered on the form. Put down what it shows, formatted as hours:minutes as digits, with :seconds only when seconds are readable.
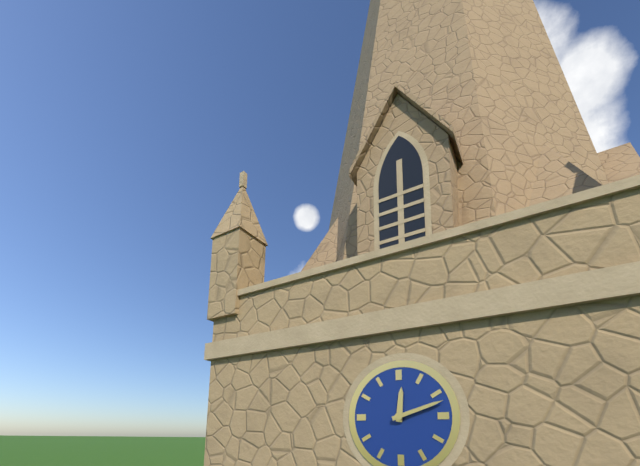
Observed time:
12:12
